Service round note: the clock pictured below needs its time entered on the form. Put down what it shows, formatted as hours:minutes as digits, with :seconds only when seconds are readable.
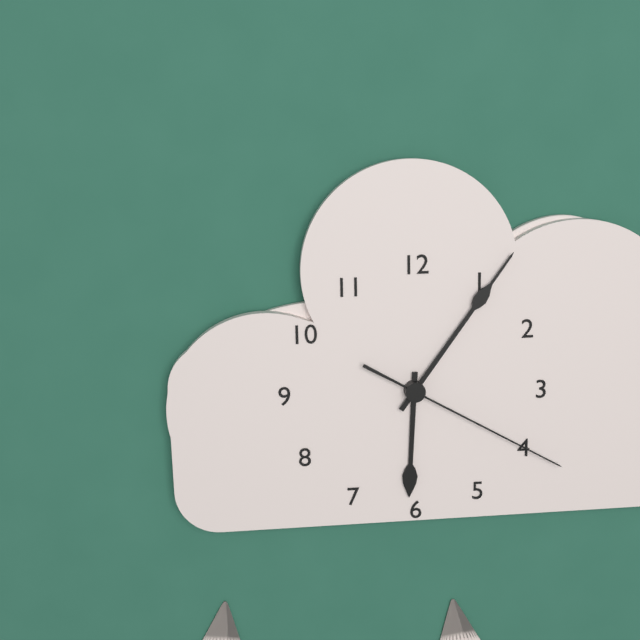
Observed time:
6:06:20
